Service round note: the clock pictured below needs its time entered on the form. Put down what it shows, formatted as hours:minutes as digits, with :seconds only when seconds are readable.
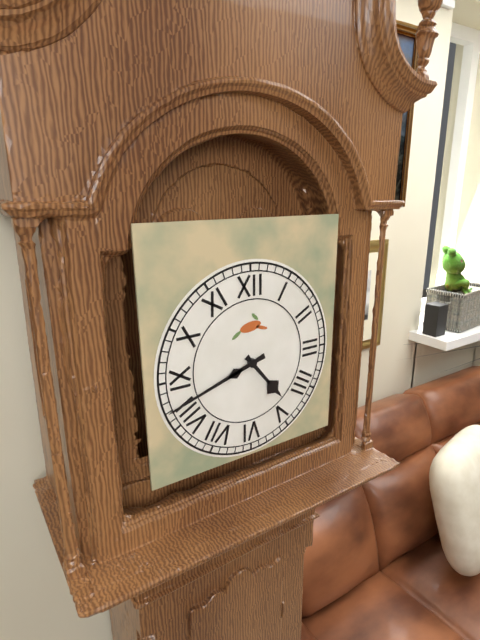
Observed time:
4:42
